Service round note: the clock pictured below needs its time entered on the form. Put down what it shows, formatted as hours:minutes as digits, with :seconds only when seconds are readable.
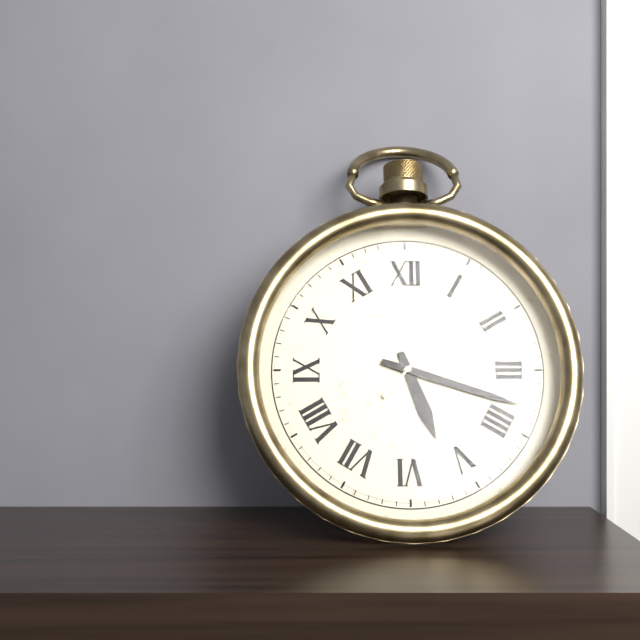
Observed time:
5:18:07
